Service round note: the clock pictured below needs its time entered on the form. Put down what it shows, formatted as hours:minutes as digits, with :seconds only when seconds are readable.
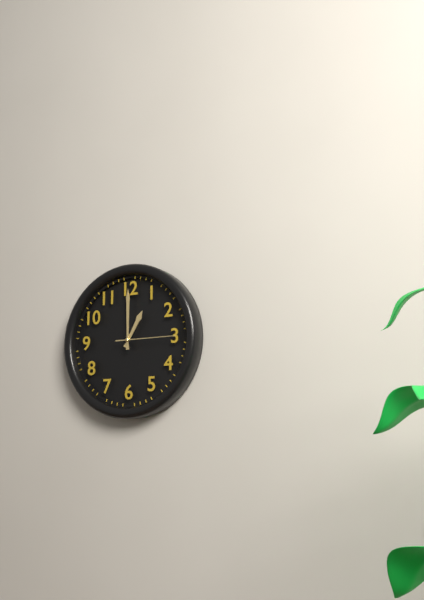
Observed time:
1:00:15
